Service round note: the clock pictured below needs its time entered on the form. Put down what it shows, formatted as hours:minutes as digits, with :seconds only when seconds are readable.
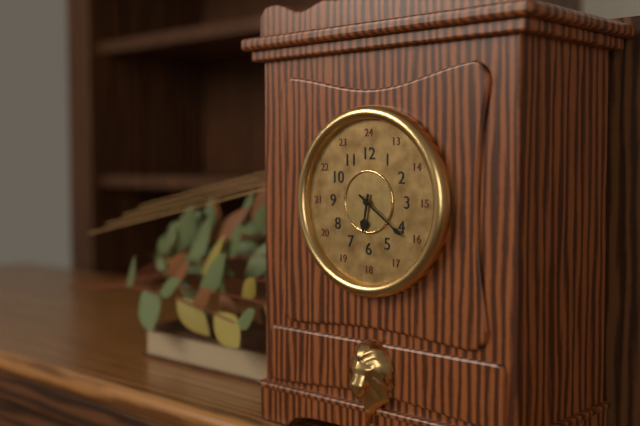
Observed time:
6:21
